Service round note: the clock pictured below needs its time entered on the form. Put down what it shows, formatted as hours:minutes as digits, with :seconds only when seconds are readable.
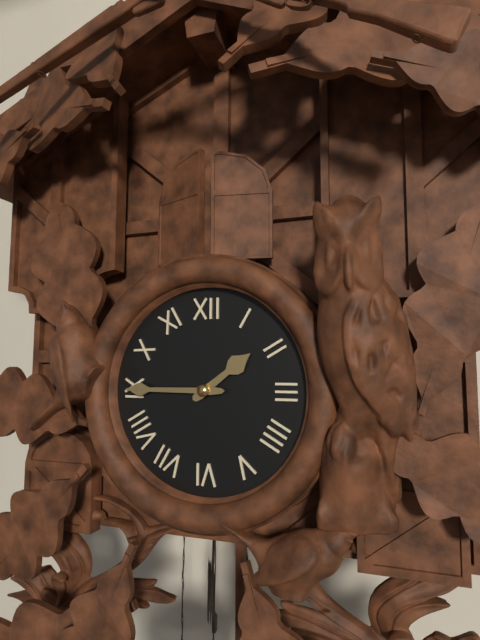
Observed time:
1:45
